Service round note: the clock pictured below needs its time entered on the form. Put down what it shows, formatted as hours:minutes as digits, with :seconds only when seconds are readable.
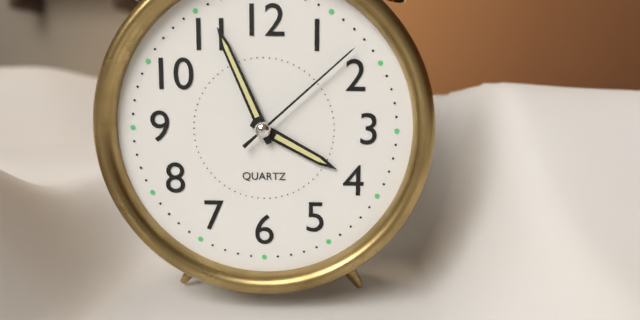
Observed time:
3:56:08
